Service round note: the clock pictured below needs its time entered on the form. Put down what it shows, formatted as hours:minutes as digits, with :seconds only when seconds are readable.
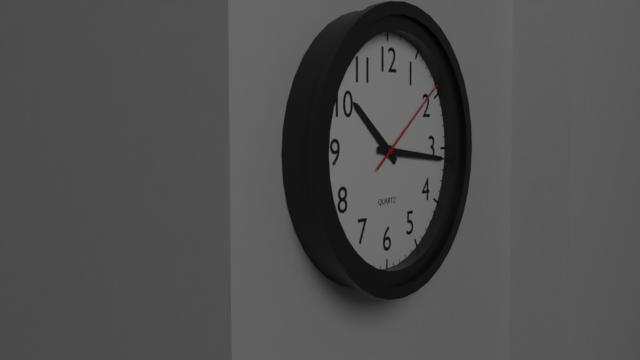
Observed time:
10:16:09
